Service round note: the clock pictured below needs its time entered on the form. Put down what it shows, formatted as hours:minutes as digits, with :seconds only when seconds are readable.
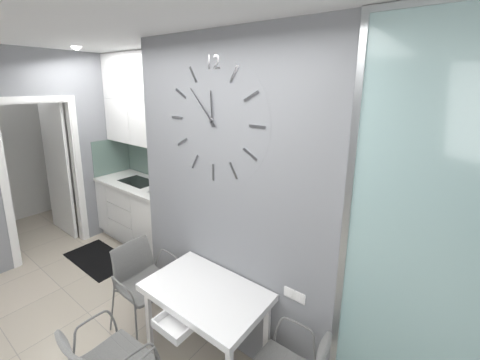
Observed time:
11:53
